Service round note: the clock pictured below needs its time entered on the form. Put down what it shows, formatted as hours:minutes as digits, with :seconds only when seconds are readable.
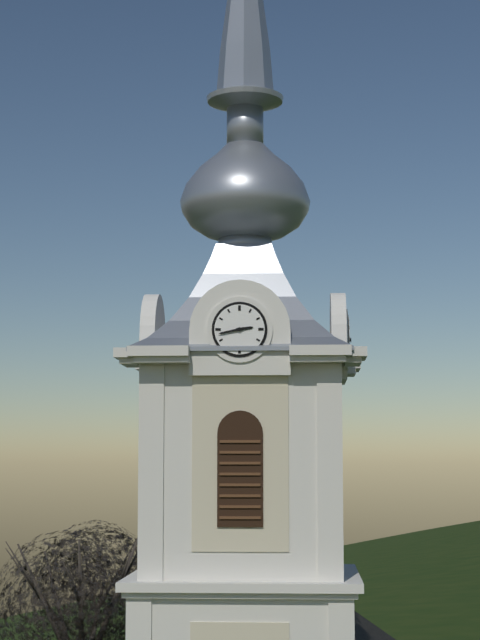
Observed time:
2:43
